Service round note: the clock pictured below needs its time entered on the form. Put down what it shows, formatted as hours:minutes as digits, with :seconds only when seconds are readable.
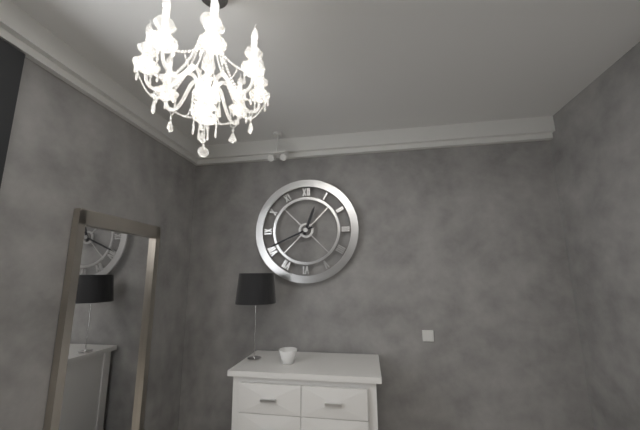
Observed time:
12:41
